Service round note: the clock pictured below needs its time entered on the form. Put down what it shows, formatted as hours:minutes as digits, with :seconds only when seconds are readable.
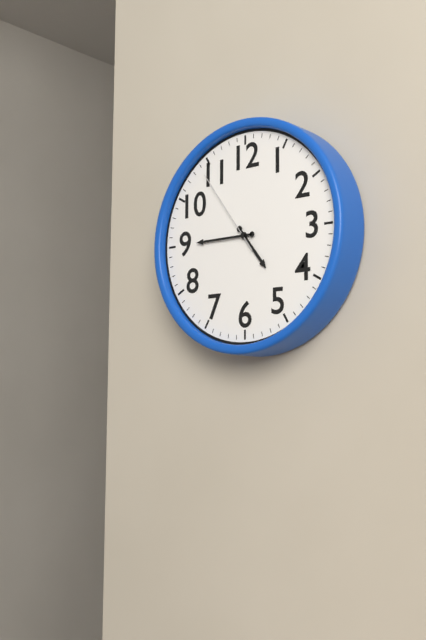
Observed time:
4:45:54
